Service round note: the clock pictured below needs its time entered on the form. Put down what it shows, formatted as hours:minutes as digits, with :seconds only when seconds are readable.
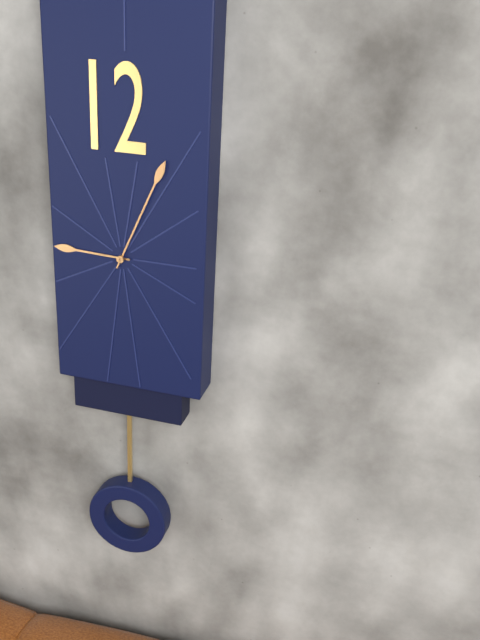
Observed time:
9:04
